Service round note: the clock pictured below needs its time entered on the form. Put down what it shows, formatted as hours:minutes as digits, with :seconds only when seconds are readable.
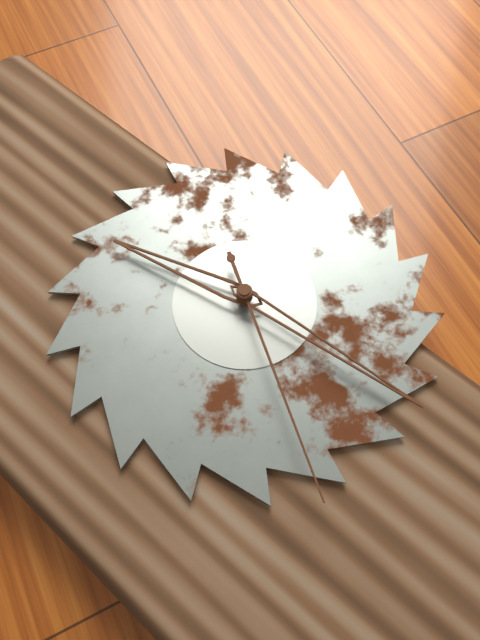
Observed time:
11:29:35
